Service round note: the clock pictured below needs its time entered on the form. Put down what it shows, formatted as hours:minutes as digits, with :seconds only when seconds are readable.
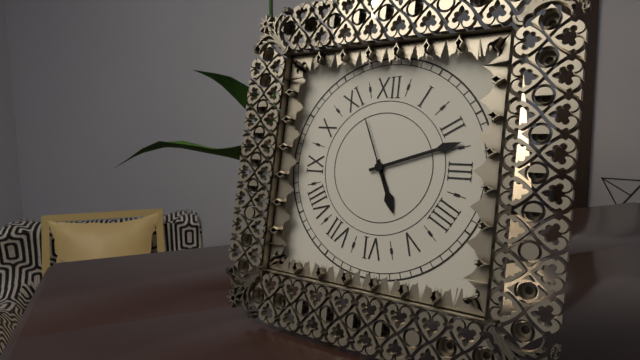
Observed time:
5:12:56
